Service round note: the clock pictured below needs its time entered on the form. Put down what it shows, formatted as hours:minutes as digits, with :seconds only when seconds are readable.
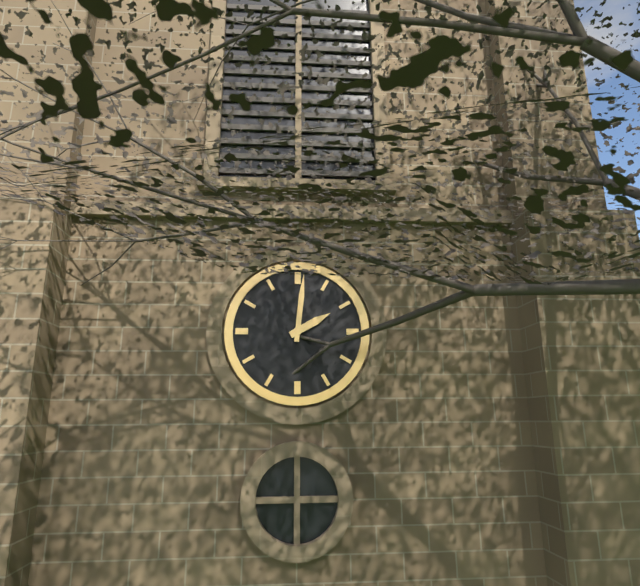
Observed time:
2:01
